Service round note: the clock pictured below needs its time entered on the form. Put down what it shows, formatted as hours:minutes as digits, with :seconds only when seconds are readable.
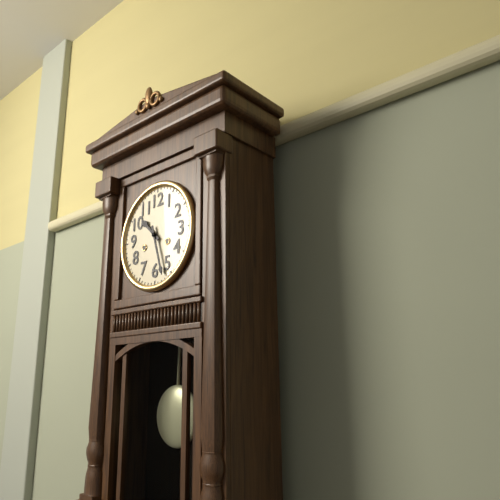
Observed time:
10:27
